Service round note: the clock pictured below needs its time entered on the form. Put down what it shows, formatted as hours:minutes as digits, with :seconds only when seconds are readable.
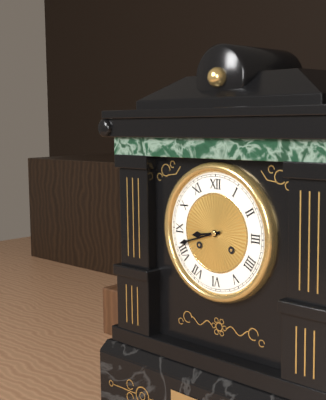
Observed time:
8:42
